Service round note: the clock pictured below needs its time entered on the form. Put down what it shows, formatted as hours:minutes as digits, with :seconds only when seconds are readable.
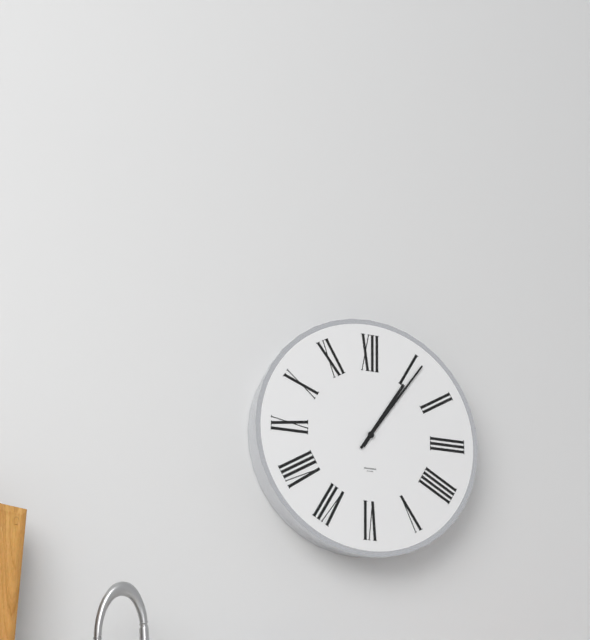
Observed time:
1:06
